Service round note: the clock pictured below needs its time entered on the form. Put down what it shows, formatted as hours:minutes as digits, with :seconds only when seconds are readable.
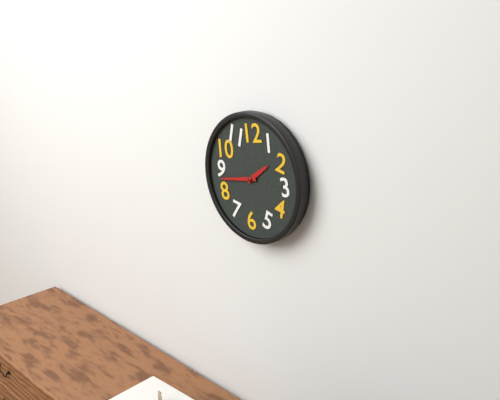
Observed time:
1:43
